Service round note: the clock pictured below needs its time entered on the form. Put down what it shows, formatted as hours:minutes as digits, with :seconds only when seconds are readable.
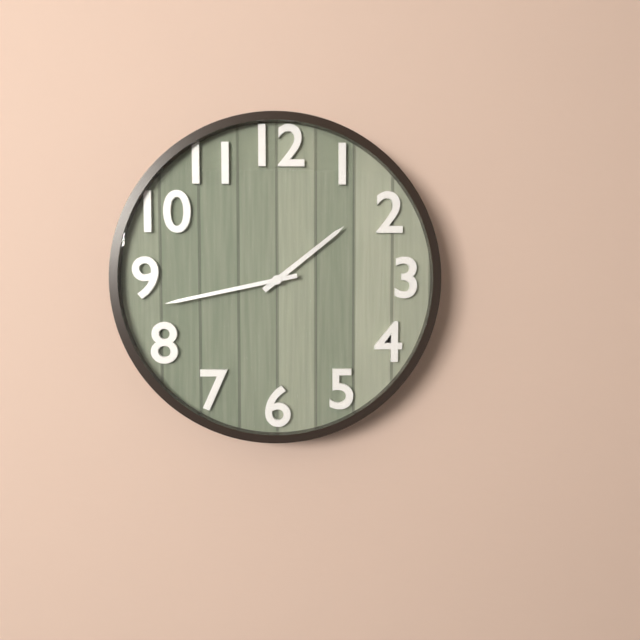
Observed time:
1:43
